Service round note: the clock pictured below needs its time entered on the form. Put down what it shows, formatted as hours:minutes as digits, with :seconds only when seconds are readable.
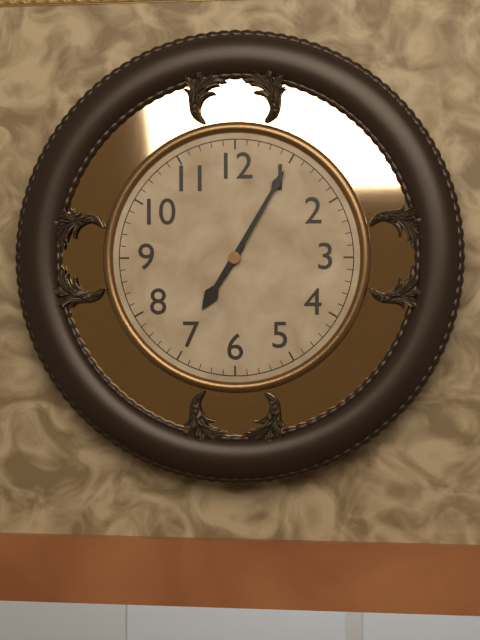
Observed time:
7:05
